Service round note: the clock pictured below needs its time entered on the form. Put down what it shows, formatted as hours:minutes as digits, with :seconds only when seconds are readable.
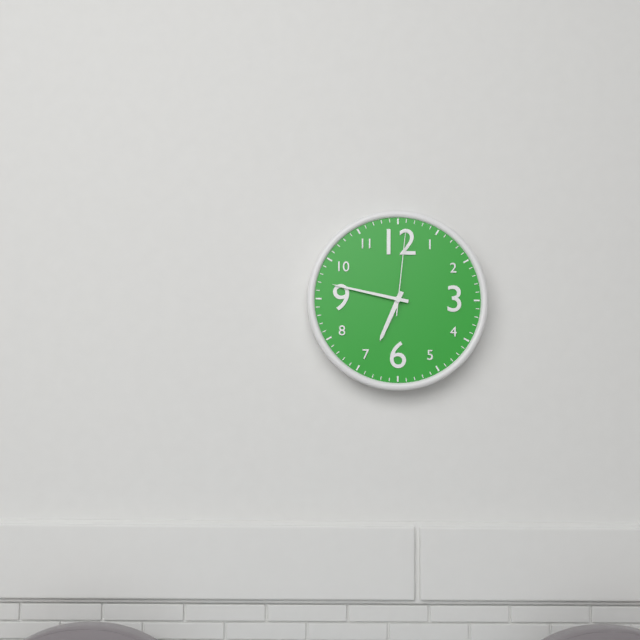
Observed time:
6:47:01
